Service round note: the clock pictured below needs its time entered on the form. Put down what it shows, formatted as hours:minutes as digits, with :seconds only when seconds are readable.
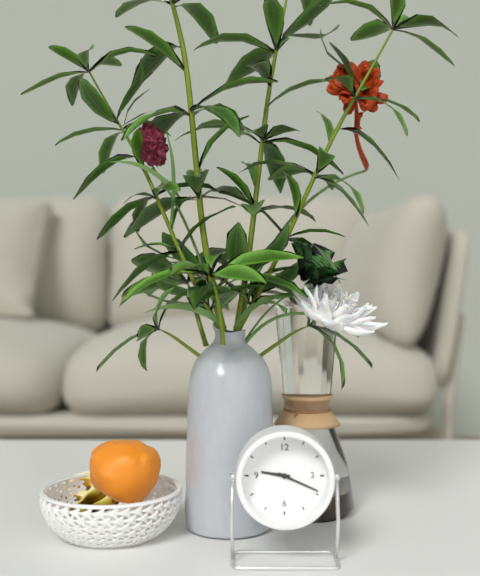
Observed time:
9:19
